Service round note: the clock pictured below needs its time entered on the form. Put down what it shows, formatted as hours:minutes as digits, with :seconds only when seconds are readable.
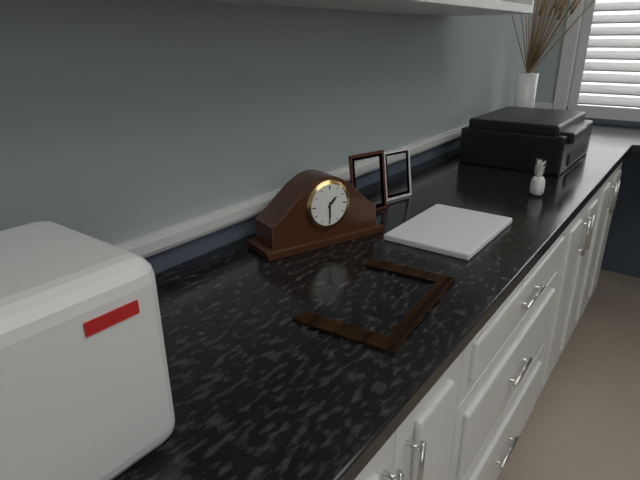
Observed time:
1:30
